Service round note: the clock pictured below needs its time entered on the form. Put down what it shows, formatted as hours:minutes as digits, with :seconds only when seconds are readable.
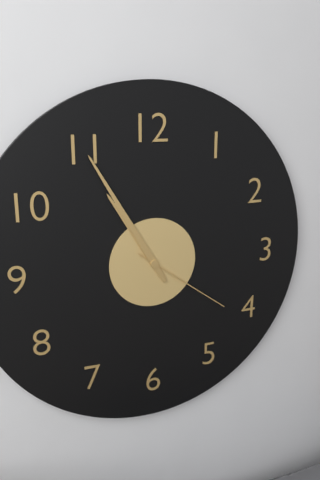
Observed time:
10:55:21
